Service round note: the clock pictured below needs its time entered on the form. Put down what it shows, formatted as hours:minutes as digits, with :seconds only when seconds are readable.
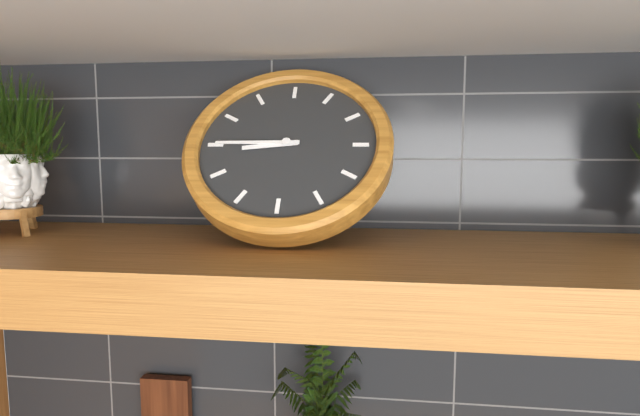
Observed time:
8:45
